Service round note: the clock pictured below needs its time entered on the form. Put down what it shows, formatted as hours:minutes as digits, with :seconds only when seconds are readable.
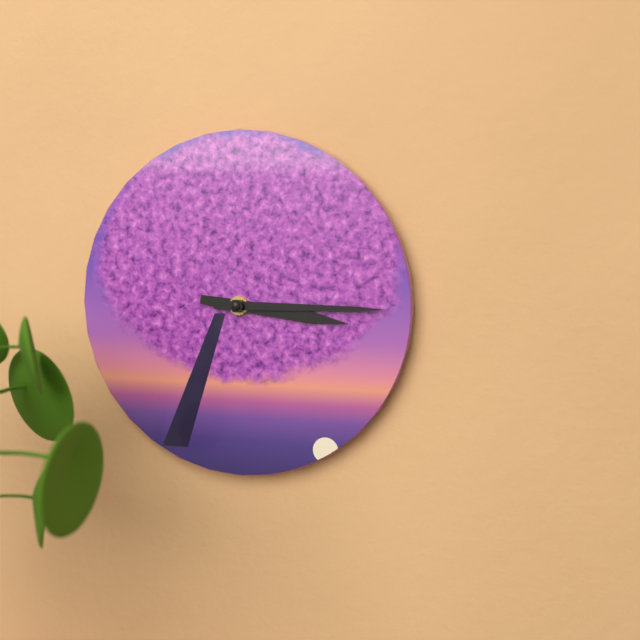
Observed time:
3:15
